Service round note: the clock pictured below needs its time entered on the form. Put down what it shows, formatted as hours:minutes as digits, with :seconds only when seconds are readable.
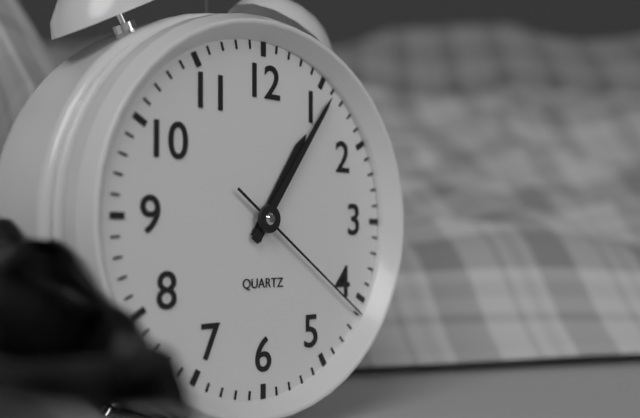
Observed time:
1:06:21
